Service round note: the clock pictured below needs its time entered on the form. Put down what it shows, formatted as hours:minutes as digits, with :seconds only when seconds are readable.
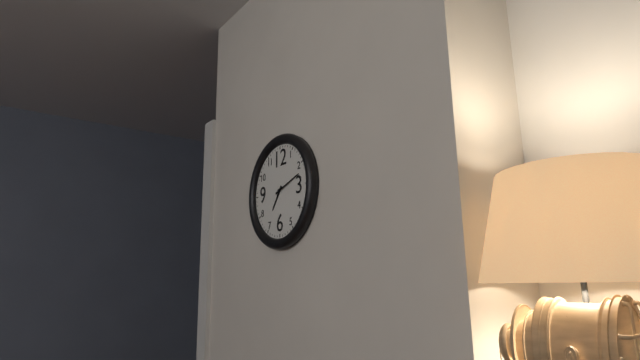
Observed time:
7:12
